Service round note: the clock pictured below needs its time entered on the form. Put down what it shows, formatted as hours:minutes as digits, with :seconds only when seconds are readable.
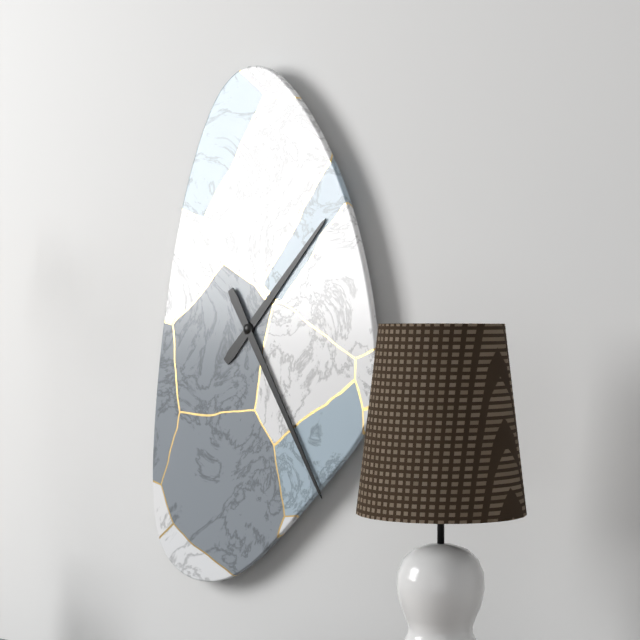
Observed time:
1:25
